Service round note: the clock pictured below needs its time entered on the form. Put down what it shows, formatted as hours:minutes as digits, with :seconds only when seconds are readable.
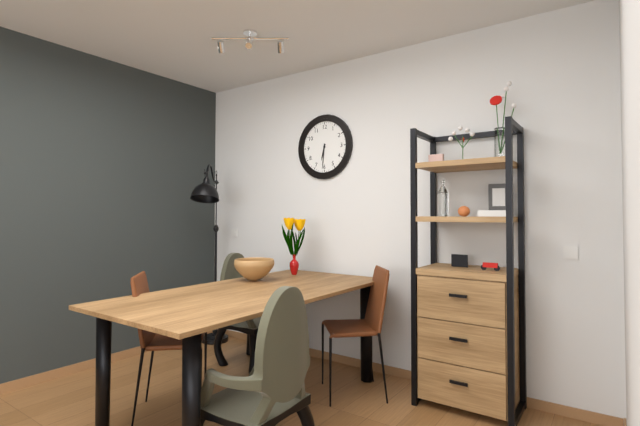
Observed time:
6:31
